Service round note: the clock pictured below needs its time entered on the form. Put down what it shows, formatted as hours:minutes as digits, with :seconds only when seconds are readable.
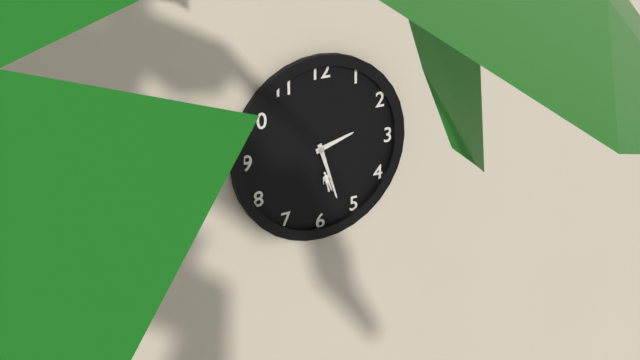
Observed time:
2:27
